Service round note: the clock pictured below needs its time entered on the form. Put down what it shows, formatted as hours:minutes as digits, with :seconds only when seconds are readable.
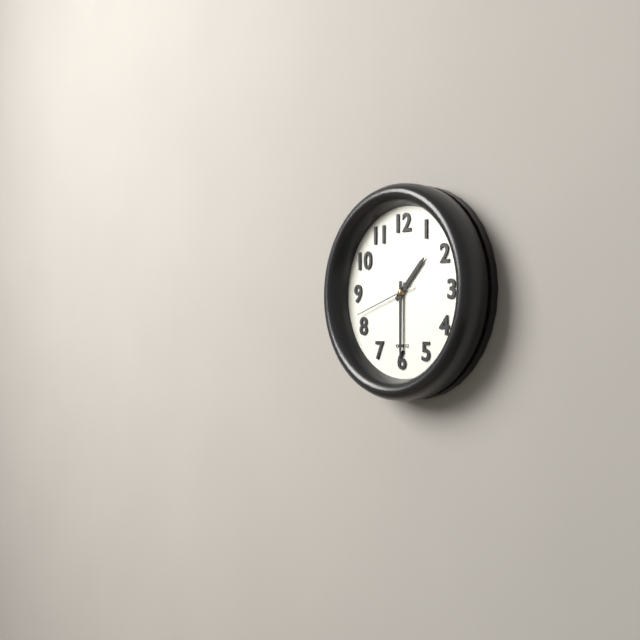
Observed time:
1:30:42
